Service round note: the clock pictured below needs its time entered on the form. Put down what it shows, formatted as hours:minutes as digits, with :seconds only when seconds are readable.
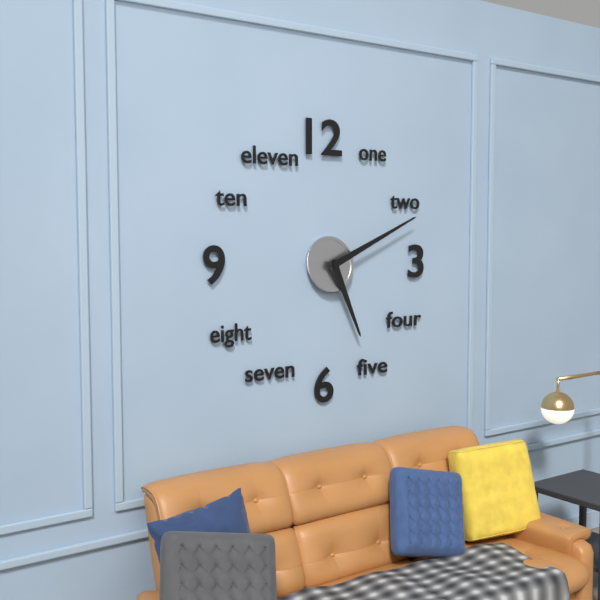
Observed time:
5:11
